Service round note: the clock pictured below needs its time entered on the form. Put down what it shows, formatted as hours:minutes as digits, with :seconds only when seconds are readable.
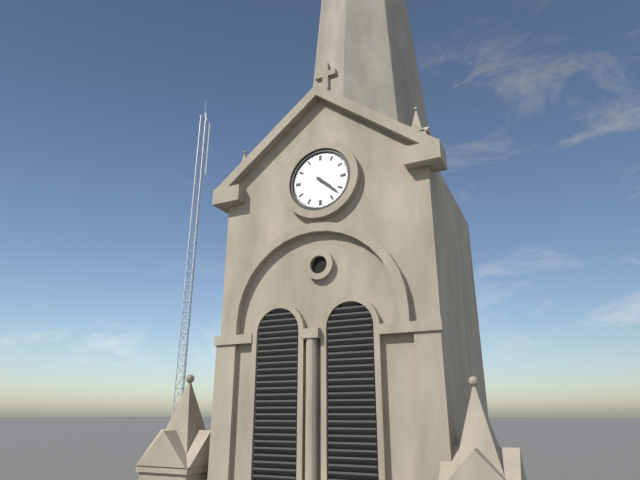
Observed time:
4:22
